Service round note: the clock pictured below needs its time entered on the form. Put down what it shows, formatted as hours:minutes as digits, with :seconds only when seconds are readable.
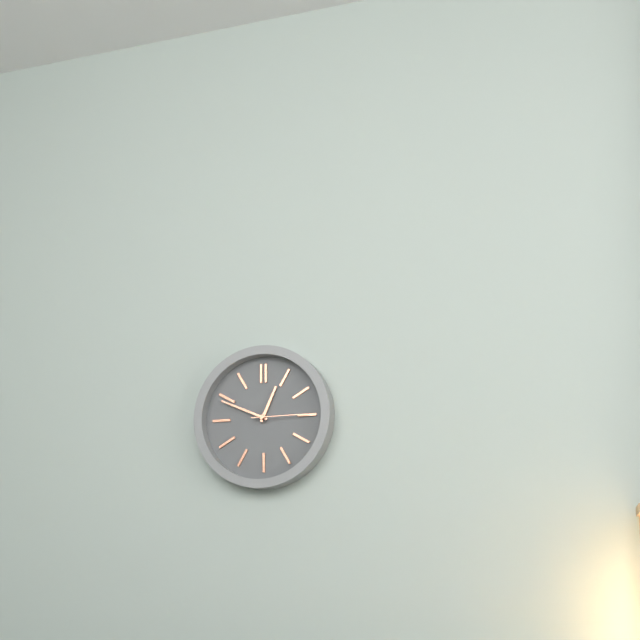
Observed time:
12:49
